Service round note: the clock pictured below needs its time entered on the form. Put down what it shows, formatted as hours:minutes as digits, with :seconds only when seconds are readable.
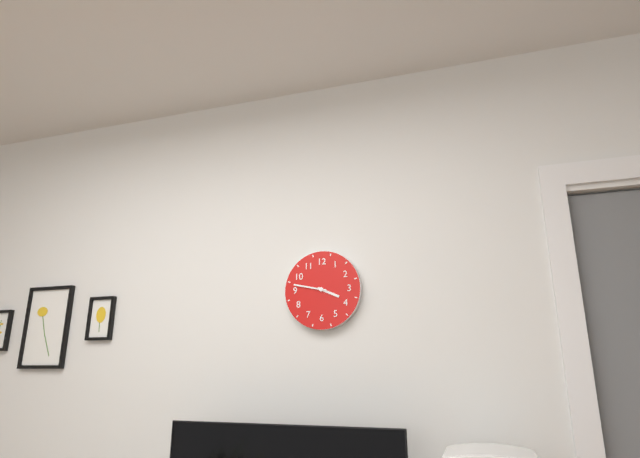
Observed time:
3:47
